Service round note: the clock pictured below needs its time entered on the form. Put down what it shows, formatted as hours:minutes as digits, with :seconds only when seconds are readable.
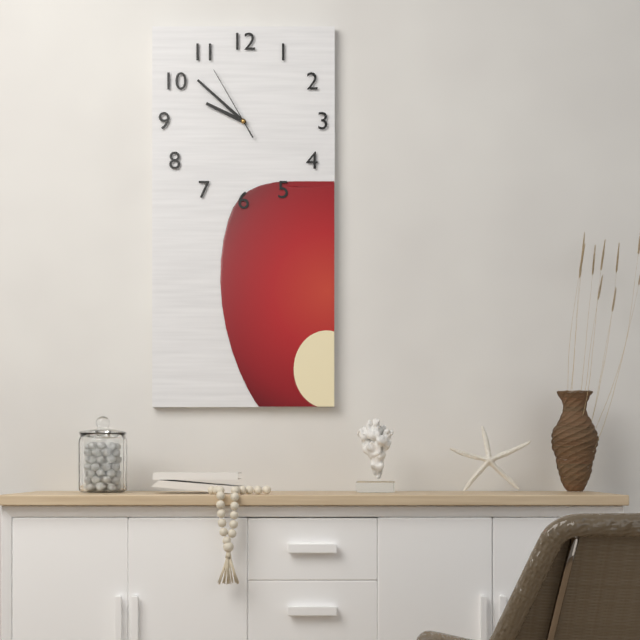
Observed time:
9:52:55
